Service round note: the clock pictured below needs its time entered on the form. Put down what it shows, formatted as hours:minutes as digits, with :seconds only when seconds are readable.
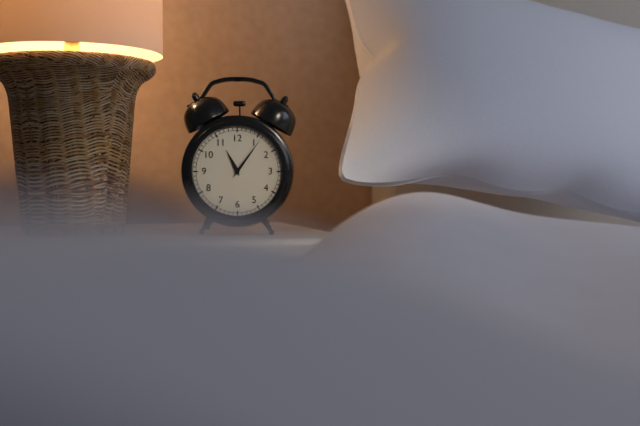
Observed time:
11:06
